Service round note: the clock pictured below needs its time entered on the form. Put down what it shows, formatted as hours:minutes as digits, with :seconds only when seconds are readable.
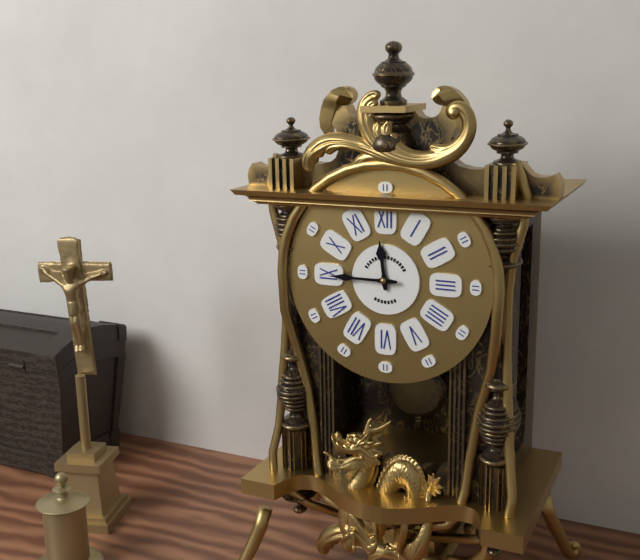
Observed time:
11:45
